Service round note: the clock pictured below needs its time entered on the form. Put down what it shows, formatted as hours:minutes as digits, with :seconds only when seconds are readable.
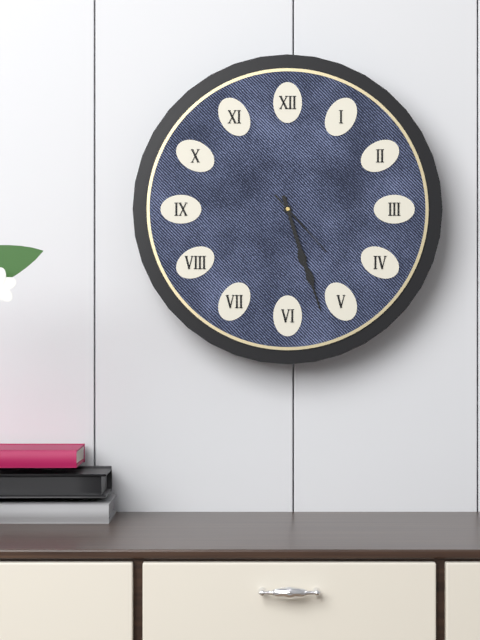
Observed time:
5:27:23
